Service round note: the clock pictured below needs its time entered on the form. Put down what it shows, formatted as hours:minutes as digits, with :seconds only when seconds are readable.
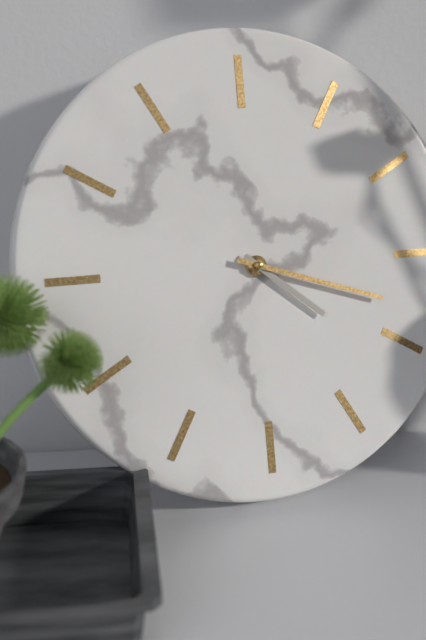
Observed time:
4:18
